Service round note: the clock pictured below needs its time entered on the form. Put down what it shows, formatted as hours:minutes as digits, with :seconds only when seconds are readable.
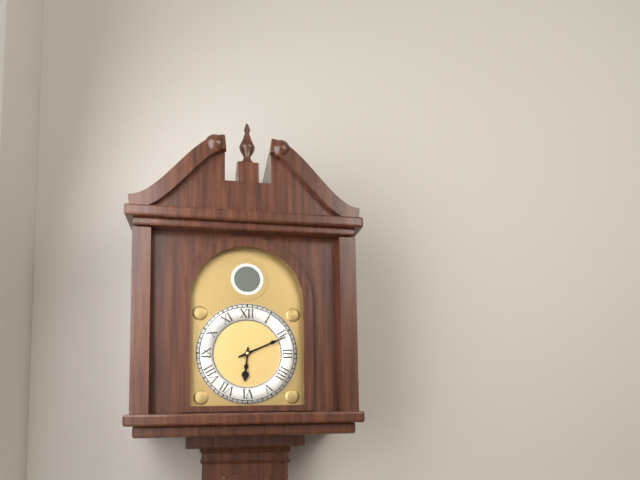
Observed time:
6:11
